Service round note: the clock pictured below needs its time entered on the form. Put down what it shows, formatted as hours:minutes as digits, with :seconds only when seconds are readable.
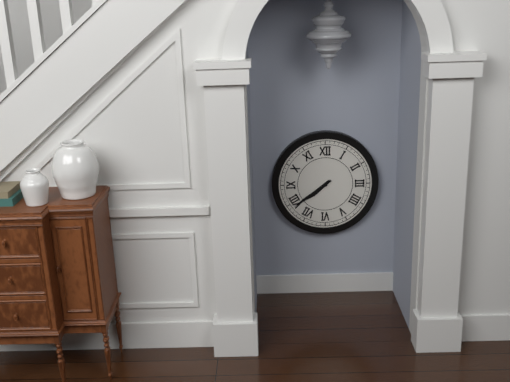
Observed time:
7:39
